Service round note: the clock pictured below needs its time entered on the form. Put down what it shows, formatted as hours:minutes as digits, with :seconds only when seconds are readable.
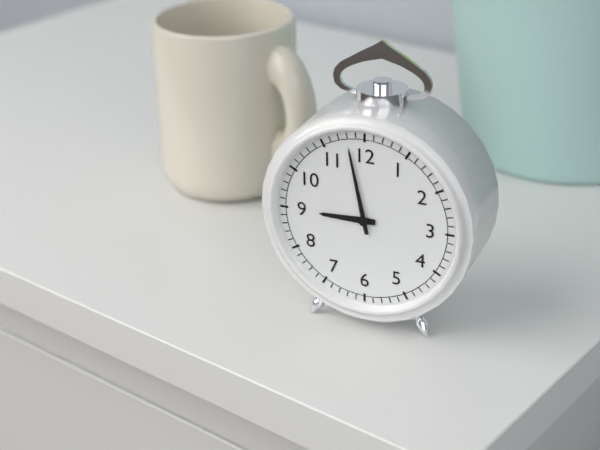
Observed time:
8:58
